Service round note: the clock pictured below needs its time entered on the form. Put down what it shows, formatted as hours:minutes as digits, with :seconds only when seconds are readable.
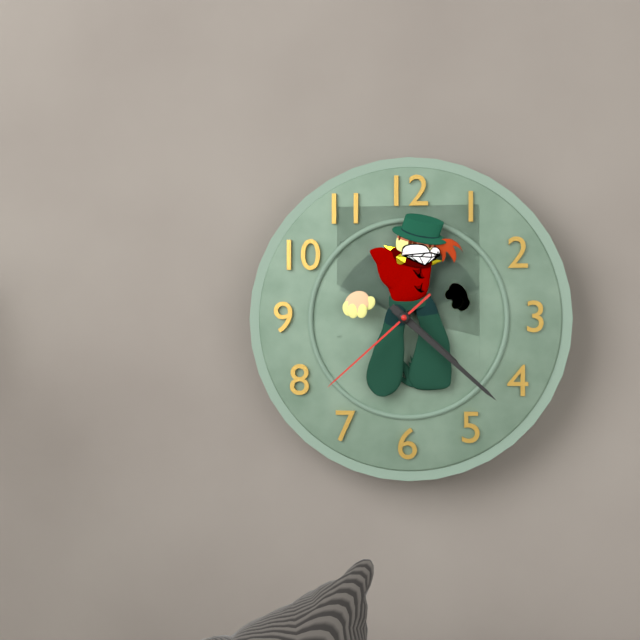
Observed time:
4:22:38
